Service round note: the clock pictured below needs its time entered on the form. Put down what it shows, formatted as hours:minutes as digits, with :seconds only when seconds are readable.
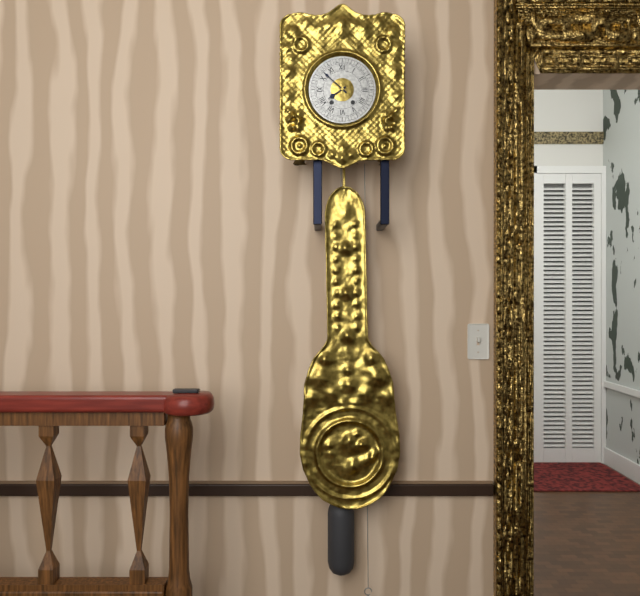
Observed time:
7:52
